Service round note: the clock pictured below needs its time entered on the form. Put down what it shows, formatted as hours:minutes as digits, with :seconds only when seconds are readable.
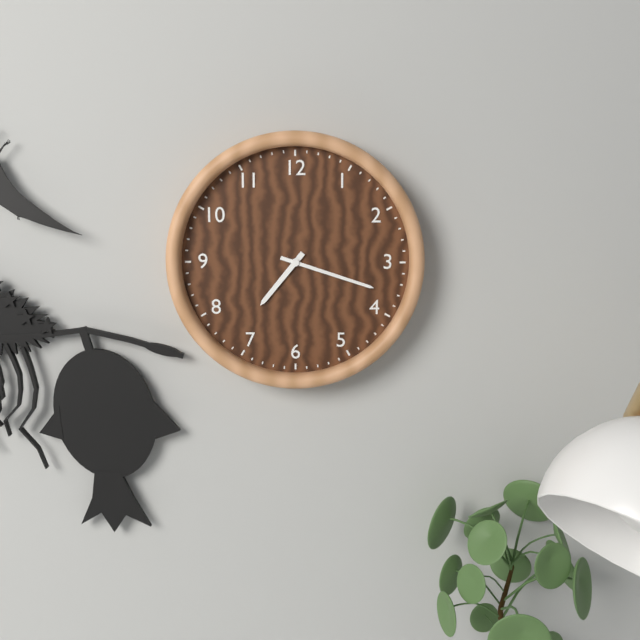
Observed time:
7:18
